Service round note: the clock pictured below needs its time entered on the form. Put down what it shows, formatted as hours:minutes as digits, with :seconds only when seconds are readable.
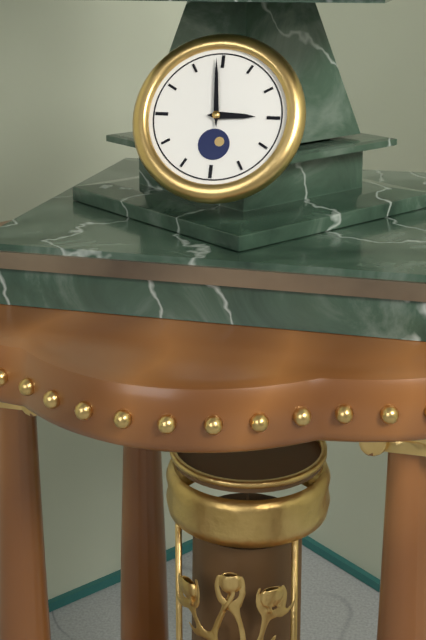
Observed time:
2:59
